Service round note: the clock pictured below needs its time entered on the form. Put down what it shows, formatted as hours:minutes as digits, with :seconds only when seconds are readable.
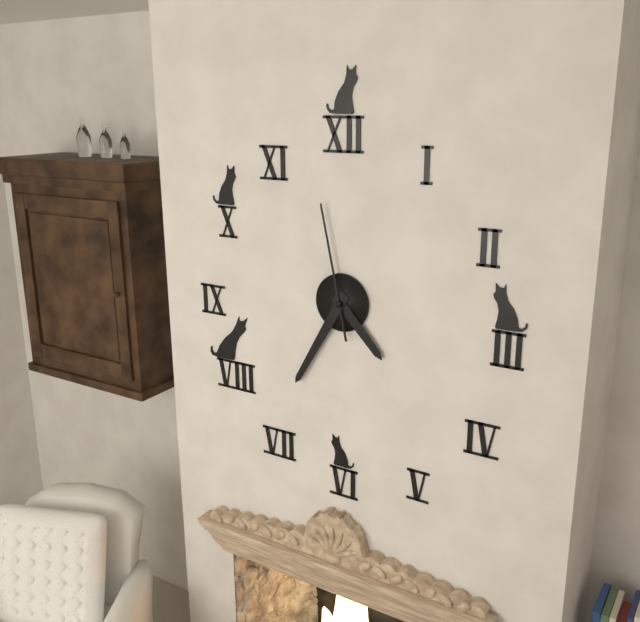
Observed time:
4:35:58
